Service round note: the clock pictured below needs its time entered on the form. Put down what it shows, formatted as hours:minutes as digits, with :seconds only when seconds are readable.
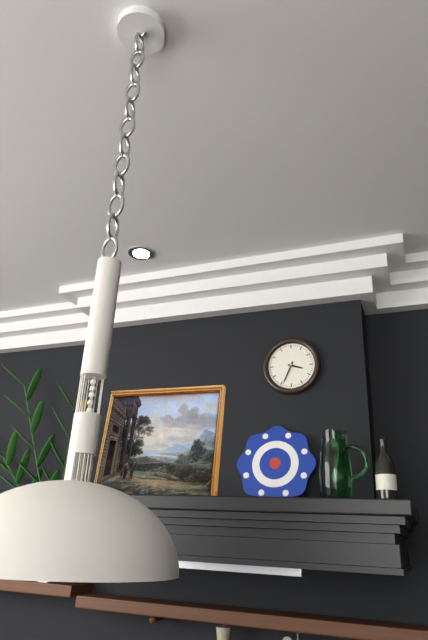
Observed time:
3:34
